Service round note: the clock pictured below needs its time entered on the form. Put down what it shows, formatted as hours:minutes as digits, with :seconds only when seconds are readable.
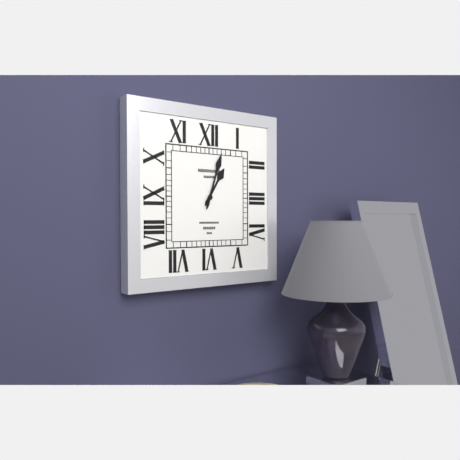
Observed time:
1:03
